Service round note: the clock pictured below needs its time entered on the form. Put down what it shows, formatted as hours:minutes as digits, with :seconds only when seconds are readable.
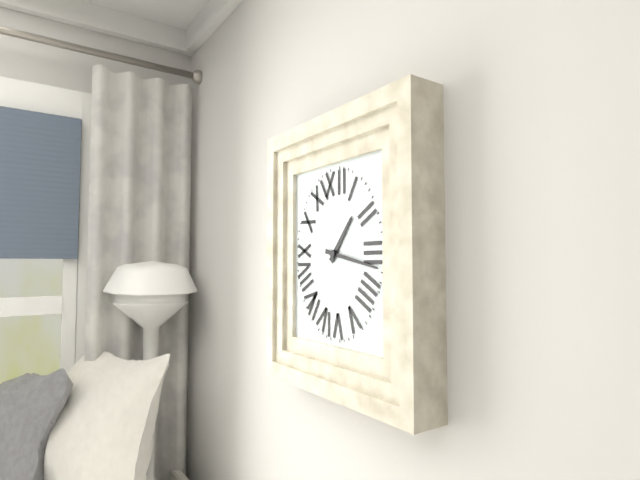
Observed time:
1:17
